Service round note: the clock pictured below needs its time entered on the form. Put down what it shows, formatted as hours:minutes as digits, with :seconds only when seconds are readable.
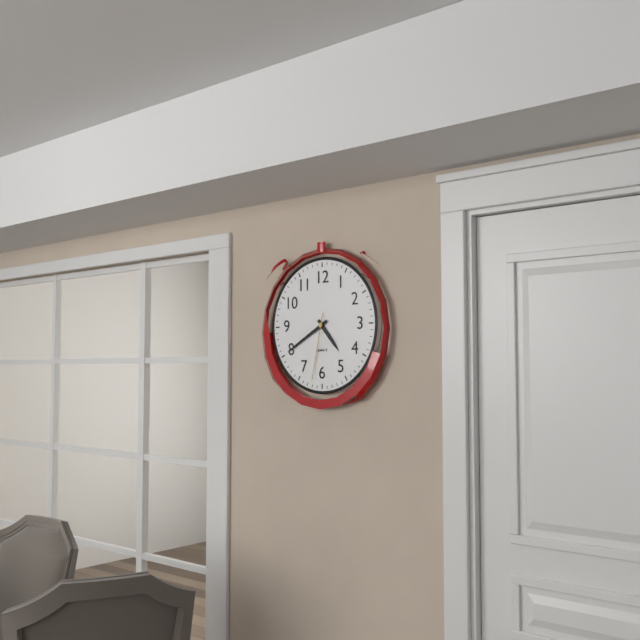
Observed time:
4:40:32
